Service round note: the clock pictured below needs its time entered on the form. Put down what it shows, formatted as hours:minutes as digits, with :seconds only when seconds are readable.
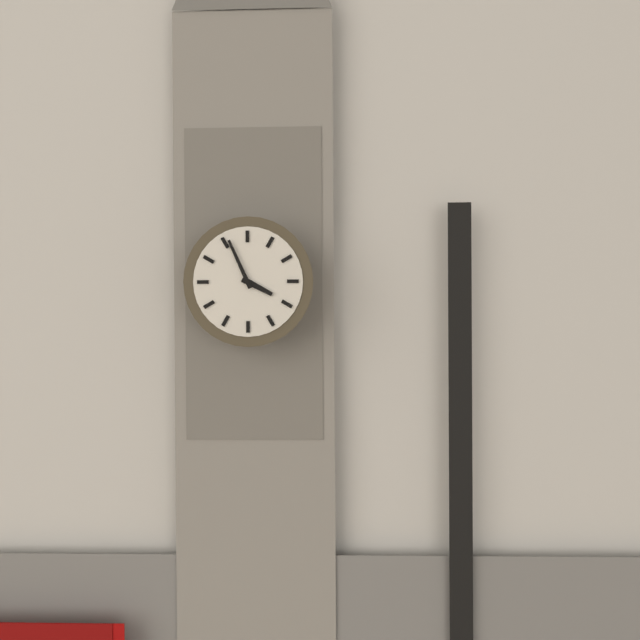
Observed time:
3:56
